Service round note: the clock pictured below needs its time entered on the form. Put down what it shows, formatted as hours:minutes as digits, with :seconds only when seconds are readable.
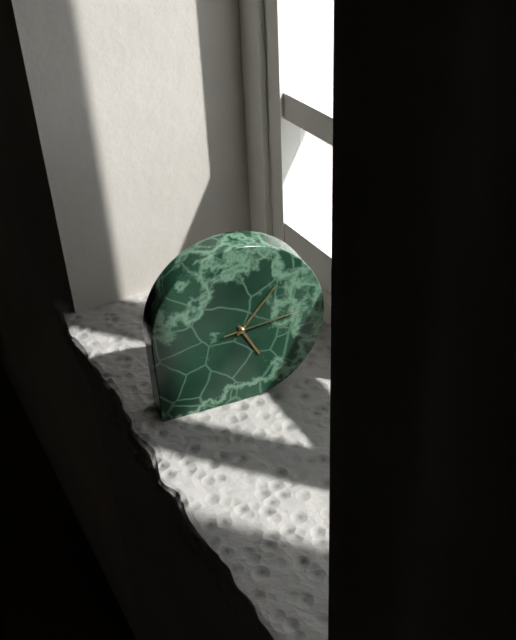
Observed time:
5:07:14
